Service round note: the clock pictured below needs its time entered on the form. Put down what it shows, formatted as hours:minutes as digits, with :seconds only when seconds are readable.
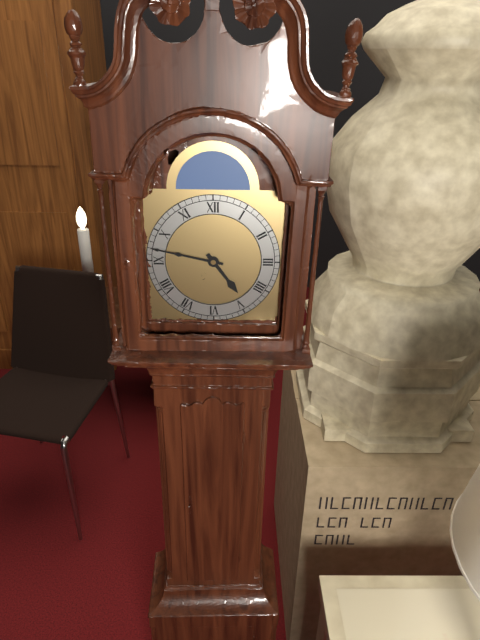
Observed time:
4:47
